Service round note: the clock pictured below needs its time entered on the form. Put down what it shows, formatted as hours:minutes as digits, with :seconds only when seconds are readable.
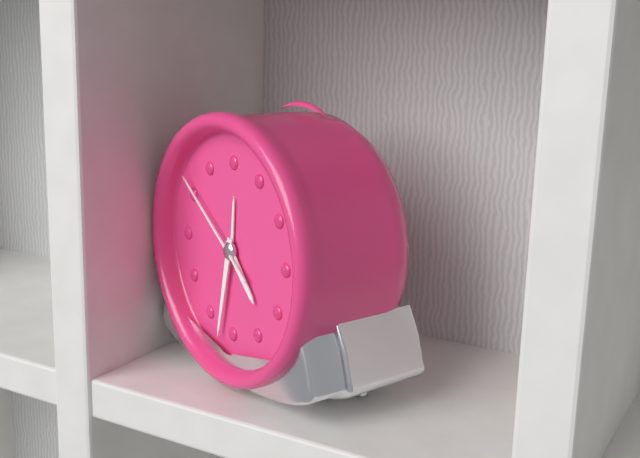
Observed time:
4:32:51
